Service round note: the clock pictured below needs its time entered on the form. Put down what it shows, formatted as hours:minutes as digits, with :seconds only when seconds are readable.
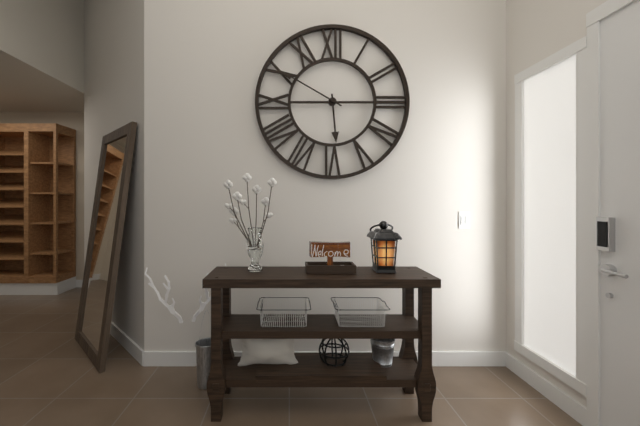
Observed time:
5:50
